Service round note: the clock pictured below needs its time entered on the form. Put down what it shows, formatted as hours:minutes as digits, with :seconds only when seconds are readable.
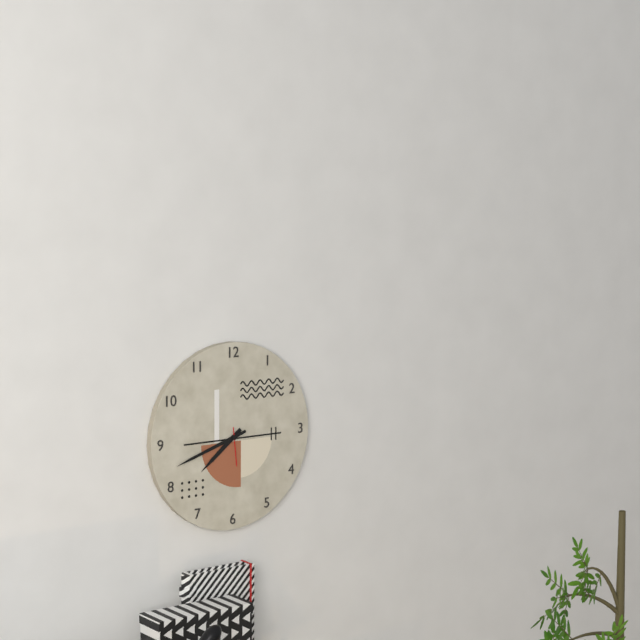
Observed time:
7:42
